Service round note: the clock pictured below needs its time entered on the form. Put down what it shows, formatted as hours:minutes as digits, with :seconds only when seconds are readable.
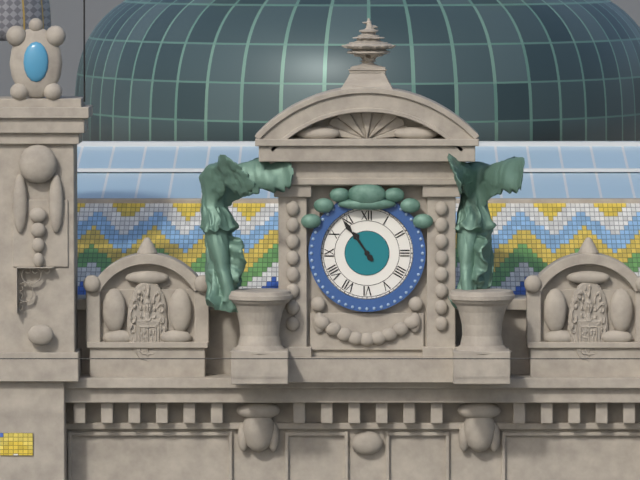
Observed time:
10:54
